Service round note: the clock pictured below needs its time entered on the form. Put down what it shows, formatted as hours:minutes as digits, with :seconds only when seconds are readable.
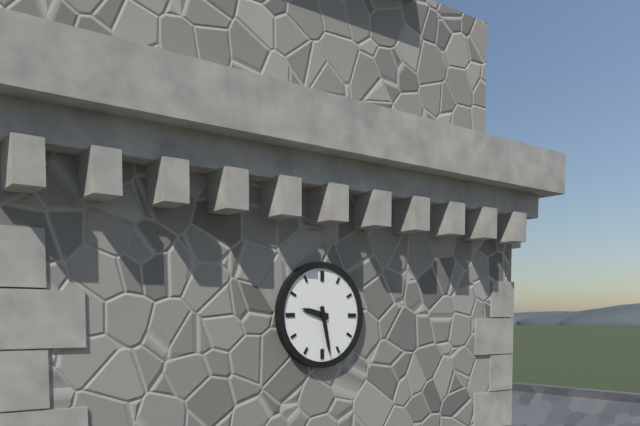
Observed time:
9:28
